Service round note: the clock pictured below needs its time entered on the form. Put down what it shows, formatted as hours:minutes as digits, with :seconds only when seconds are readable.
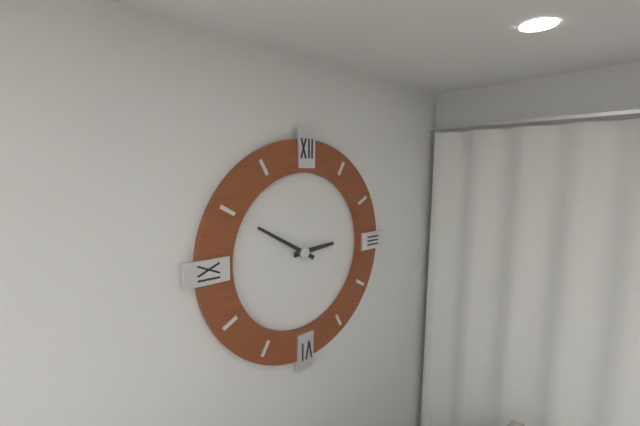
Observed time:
2:50
